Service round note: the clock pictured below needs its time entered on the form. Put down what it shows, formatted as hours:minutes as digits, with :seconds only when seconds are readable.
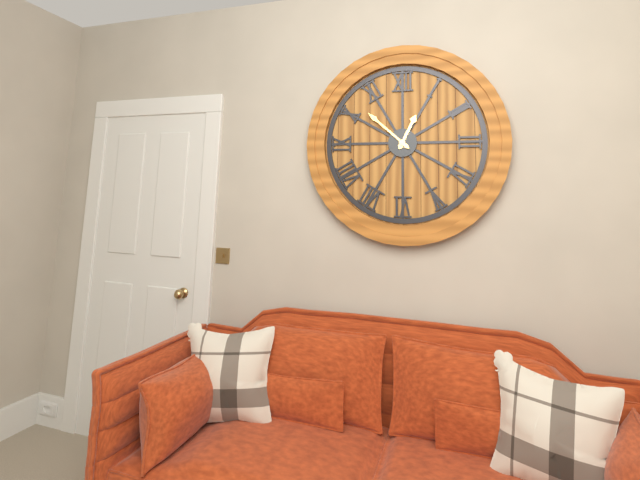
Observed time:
12:52
